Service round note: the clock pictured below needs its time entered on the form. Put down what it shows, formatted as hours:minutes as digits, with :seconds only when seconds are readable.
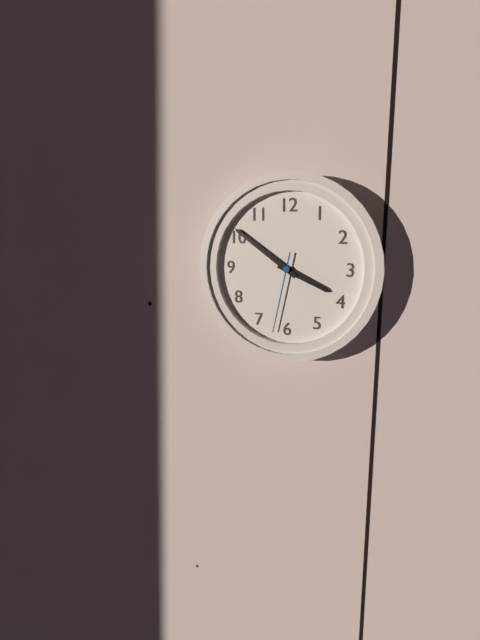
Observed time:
3:51:32
